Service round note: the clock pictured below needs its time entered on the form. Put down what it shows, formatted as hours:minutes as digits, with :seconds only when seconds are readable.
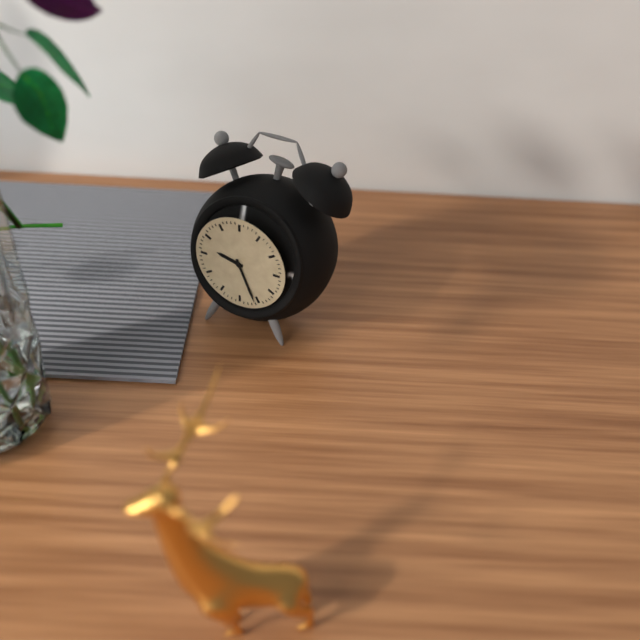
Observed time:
9:26
